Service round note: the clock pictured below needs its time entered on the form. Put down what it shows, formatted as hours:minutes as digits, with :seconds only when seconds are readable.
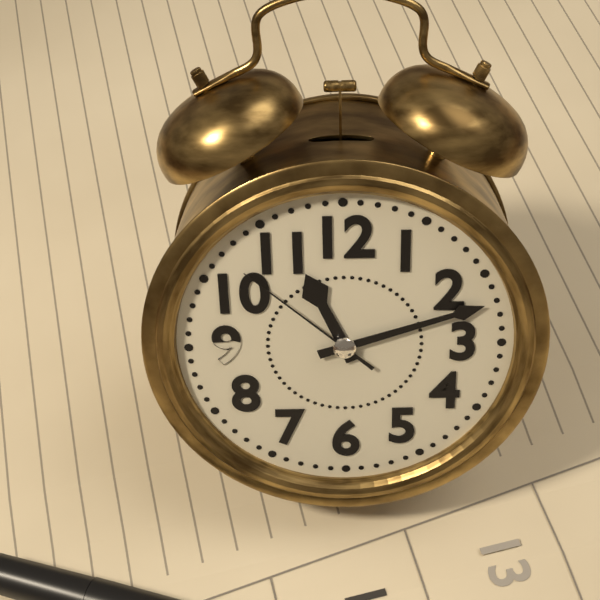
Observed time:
11:12:52
